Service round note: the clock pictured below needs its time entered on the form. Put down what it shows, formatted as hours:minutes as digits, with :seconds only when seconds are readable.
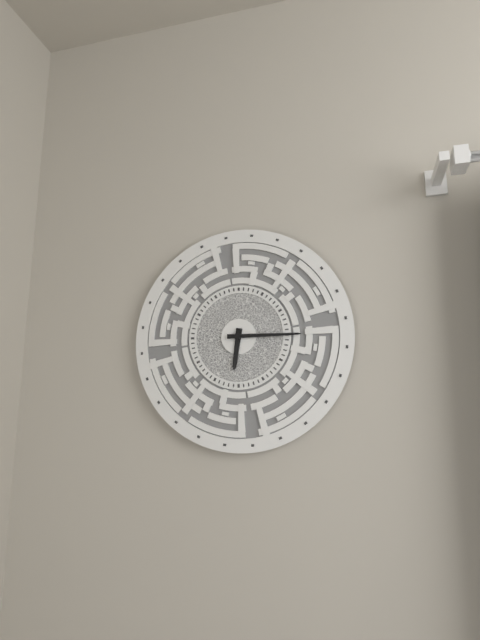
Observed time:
6:15
